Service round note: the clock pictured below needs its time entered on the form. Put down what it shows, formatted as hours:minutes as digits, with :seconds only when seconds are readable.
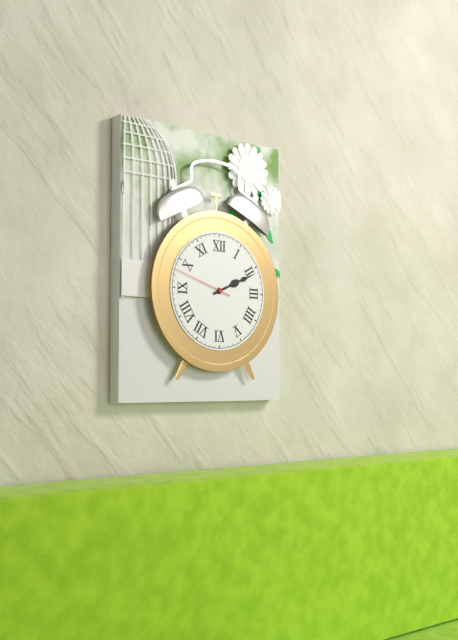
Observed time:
2:11:48
